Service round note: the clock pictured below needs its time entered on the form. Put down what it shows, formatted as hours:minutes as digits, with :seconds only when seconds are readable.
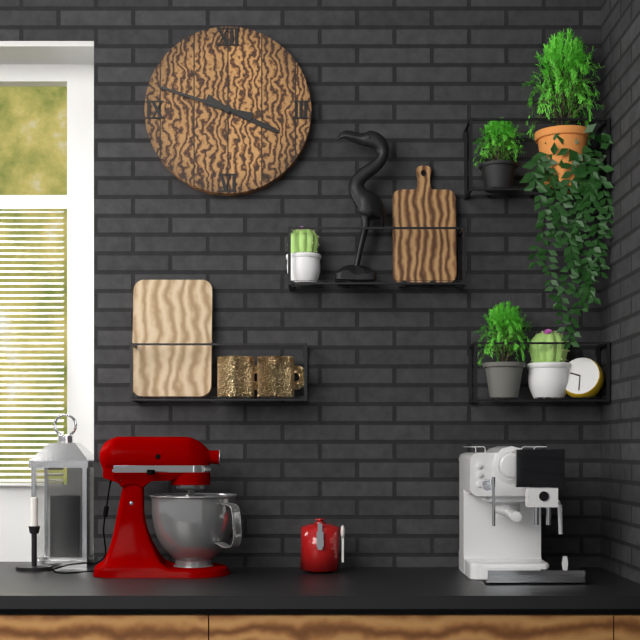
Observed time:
3:48
